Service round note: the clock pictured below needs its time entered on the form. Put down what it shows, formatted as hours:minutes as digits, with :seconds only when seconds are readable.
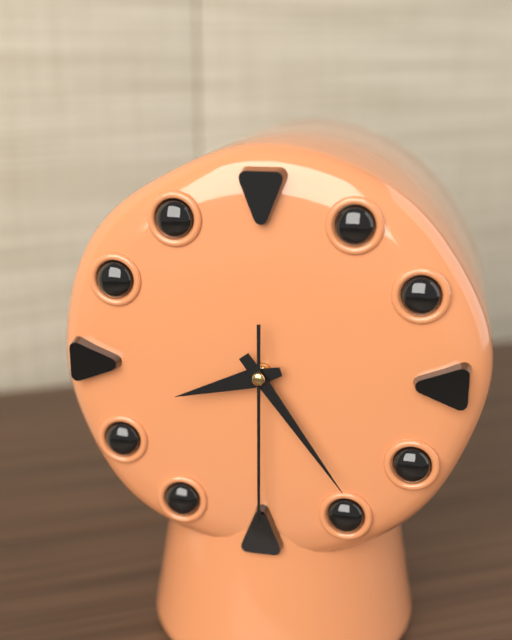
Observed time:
8:24:30
